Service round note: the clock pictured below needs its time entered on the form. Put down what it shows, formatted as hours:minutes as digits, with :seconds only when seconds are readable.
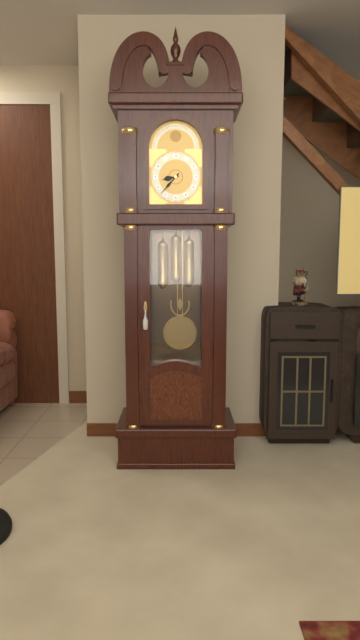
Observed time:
8:37
